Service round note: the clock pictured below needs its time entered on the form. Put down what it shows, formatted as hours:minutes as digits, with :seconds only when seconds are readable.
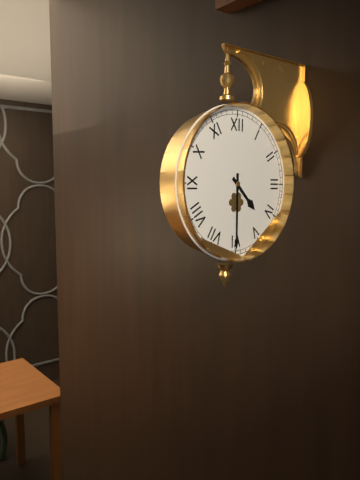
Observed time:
4:30
